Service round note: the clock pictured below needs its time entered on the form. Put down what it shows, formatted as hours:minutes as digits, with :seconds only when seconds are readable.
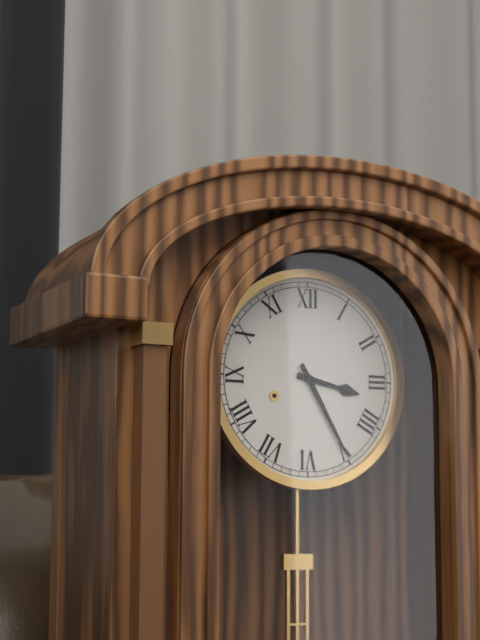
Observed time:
3:25
